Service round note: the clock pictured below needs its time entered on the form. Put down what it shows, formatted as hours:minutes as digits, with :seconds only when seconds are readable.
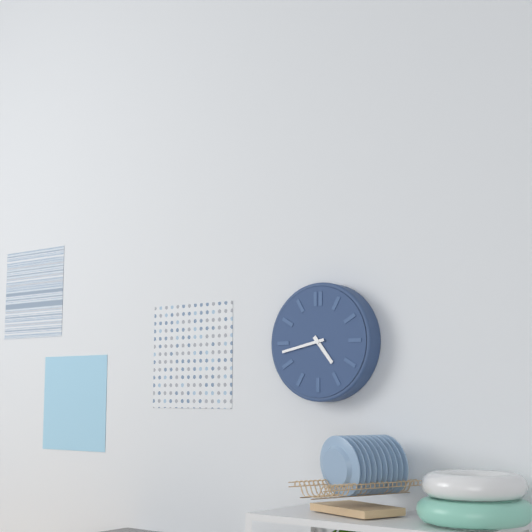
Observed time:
4:43
